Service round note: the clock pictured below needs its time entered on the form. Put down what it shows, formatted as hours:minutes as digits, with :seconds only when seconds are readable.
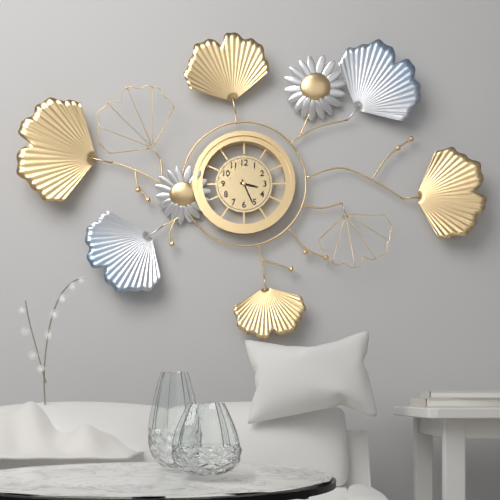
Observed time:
3:26
